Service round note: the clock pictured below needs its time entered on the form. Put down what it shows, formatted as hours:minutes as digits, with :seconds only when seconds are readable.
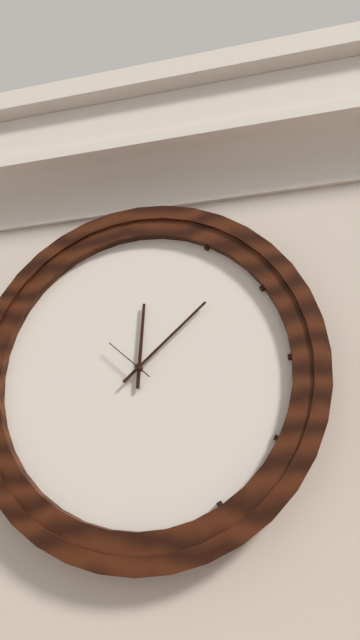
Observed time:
12:08
